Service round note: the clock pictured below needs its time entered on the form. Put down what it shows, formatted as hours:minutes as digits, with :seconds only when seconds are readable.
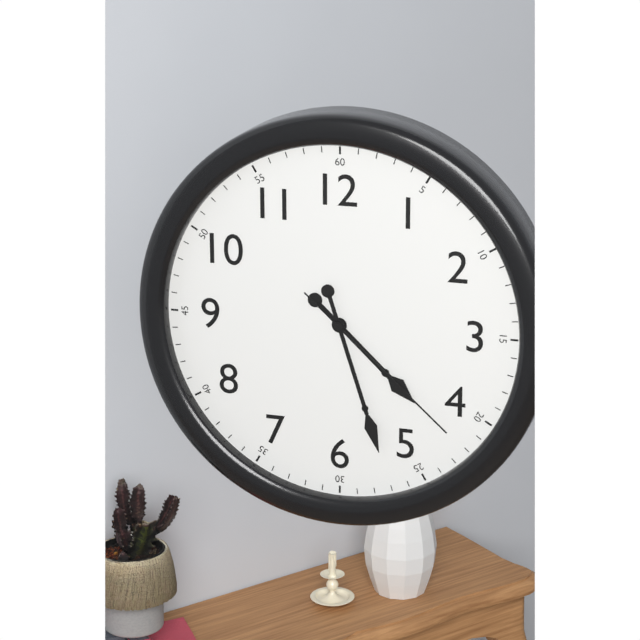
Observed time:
4:27:22
